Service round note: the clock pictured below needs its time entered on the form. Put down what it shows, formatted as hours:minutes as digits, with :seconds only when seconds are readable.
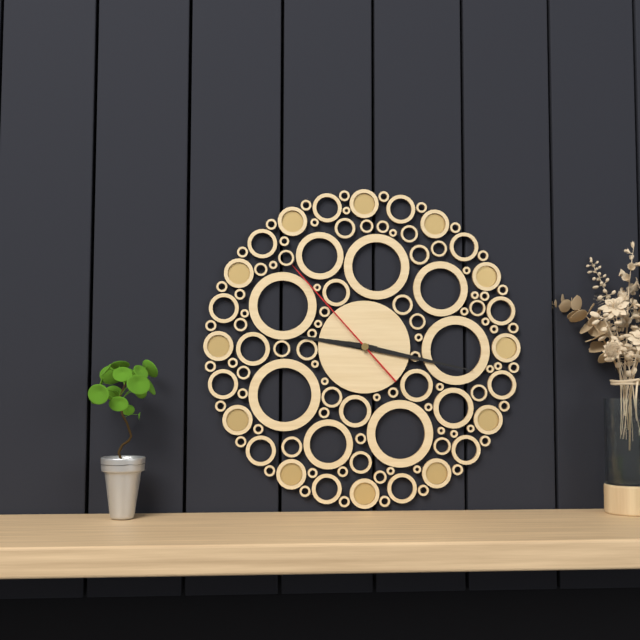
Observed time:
9:17:53
